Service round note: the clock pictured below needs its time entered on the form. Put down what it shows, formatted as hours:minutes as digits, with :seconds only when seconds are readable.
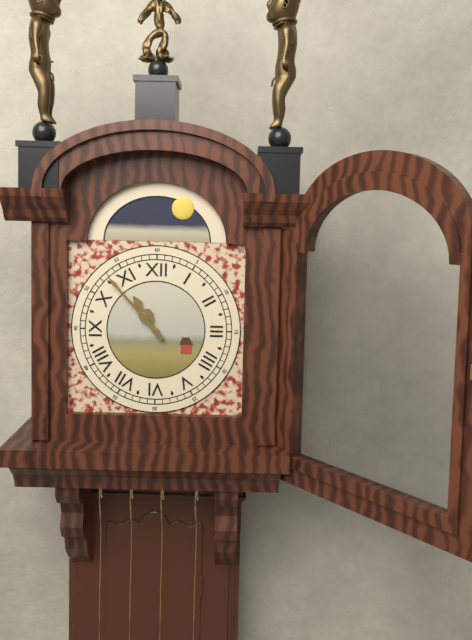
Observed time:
10:53
